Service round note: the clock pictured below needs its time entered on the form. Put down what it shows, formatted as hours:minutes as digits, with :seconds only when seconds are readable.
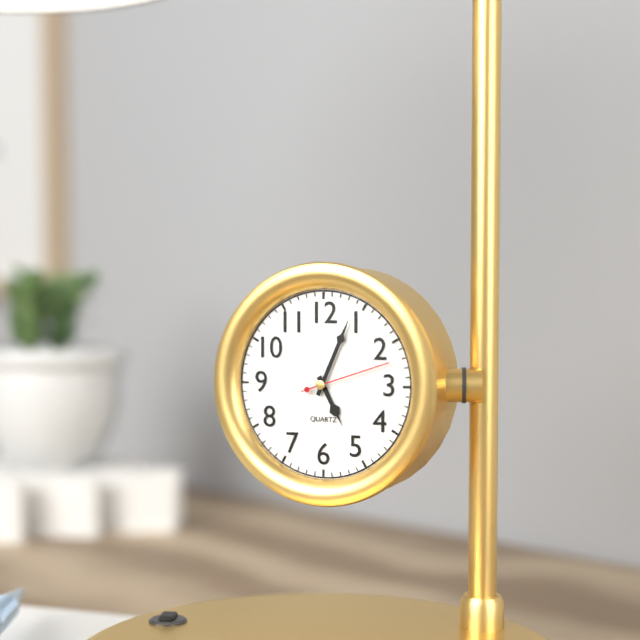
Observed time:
5:04:12
